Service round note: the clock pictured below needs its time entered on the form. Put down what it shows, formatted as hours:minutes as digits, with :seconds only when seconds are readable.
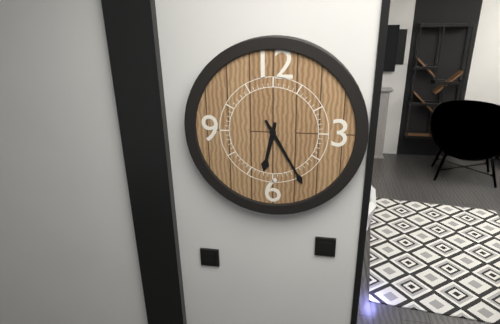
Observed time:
6:25
